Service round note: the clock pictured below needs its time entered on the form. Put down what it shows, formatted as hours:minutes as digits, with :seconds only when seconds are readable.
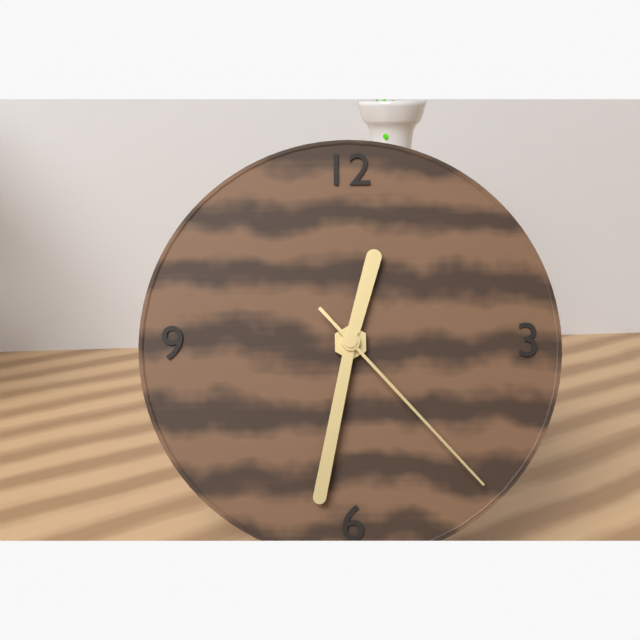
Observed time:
12:32:23
